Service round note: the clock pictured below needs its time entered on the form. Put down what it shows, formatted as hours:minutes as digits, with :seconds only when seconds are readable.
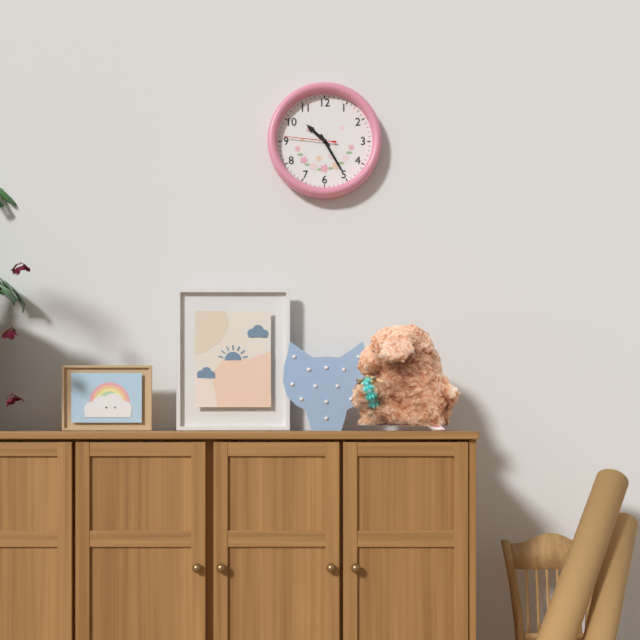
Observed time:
10:25:46
